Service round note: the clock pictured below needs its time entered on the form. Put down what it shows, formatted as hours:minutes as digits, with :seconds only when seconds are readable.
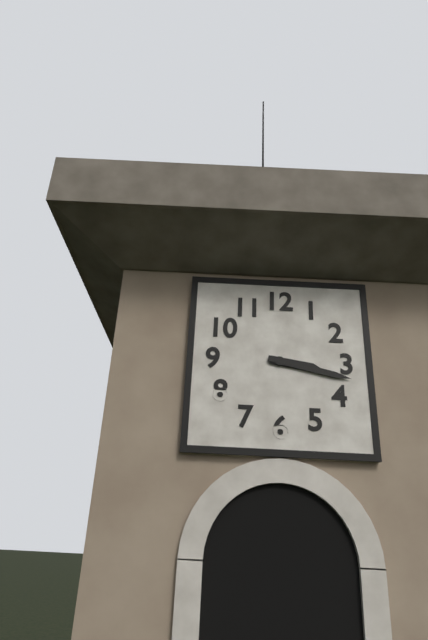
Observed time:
3:17
